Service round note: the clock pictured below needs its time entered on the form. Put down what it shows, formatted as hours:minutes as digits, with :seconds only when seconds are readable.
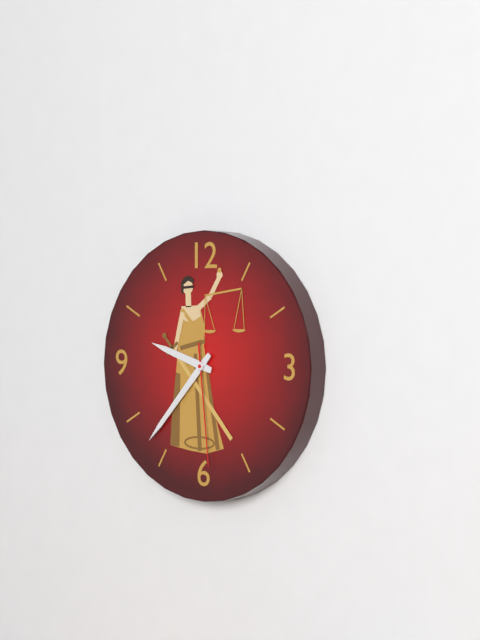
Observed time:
9:37:29
